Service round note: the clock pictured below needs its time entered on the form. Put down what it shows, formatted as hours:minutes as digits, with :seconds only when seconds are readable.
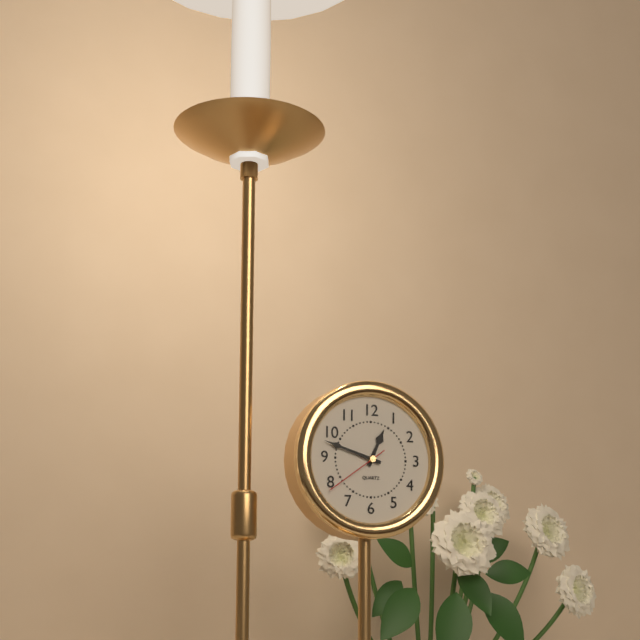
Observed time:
12:48:39
